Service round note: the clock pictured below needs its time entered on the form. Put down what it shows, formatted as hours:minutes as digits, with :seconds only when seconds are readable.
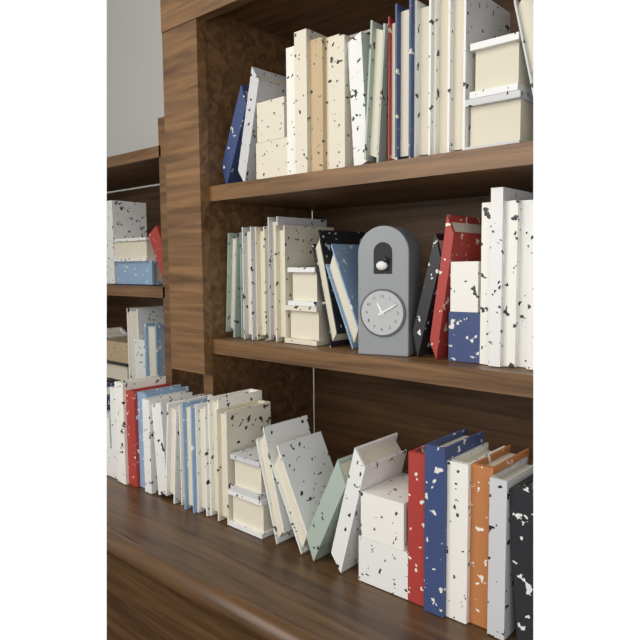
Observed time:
11:10
